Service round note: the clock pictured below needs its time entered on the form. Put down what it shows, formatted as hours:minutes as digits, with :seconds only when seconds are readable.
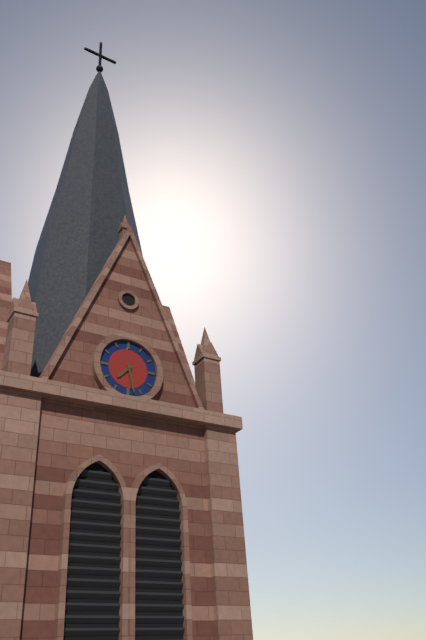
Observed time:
7:28
